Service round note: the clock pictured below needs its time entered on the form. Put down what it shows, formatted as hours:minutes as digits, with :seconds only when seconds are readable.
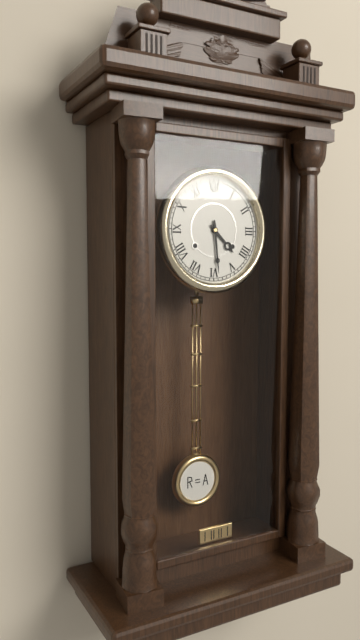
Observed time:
4:29
